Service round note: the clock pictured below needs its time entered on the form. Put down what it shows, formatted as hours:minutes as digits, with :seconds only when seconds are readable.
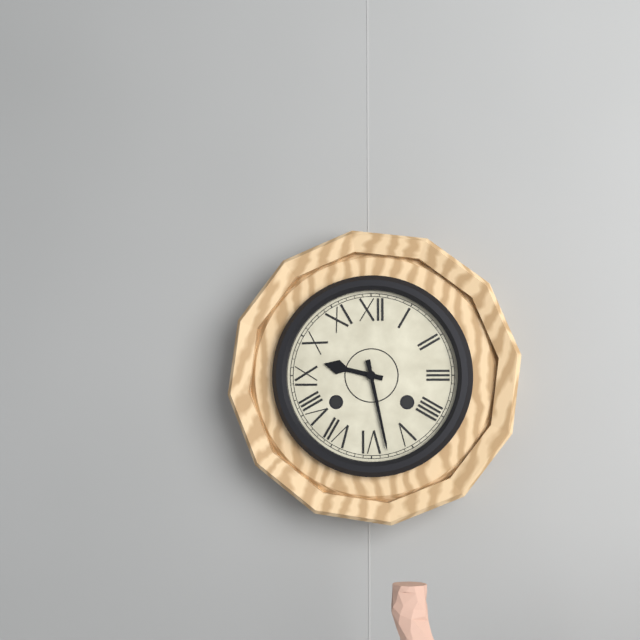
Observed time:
9:28
